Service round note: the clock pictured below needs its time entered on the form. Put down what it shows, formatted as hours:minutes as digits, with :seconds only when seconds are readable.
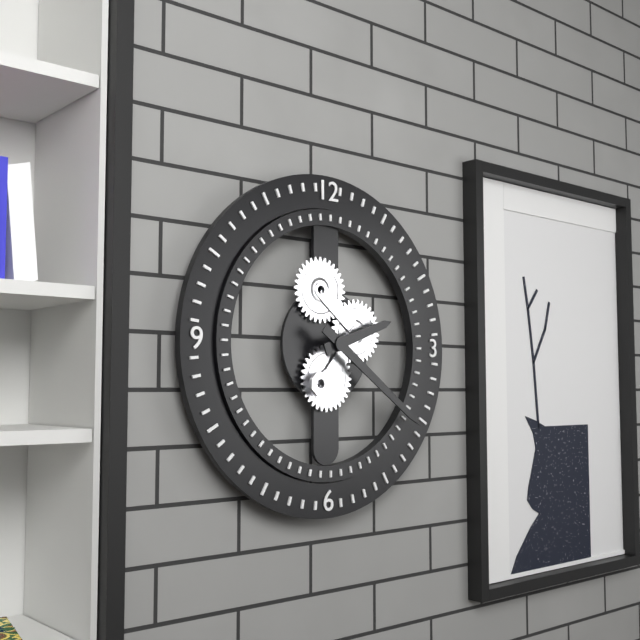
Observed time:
2:21
